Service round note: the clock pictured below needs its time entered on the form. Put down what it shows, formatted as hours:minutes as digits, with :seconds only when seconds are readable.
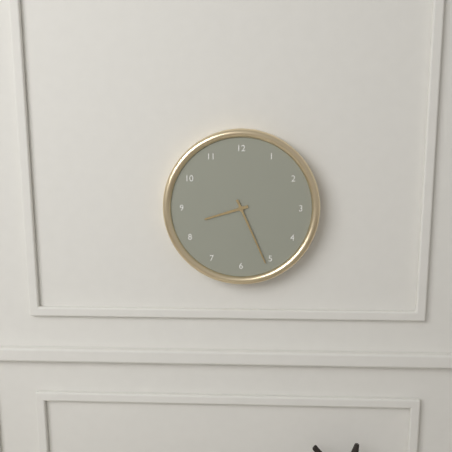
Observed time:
8:26
